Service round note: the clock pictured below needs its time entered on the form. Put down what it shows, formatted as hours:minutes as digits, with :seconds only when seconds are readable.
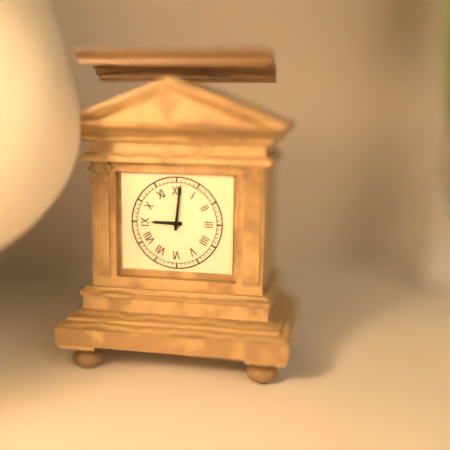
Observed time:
9:01
